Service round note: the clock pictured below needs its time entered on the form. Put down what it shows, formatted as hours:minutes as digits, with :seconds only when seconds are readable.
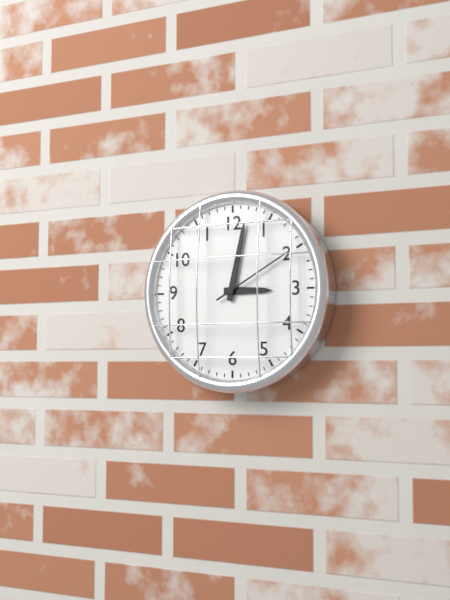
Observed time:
3:02:10
